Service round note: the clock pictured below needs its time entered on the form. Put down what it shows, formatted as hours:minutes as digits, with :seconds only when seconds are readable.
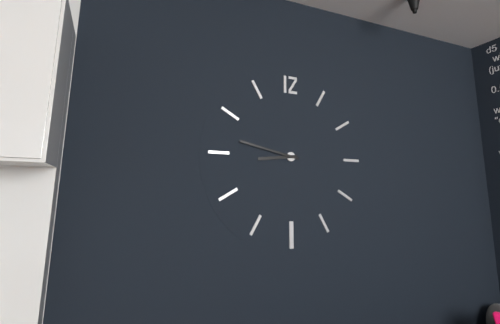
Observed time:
8:47
